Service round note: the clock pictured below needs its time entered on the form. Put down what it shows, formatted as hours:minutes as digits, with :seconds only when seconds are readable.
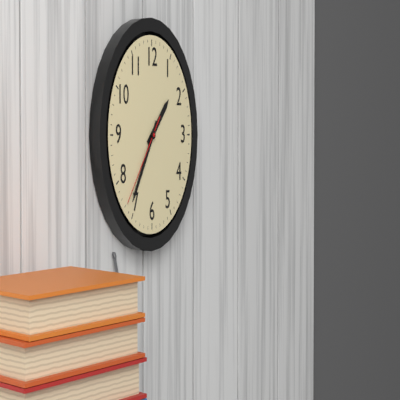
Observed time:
1:36:37
